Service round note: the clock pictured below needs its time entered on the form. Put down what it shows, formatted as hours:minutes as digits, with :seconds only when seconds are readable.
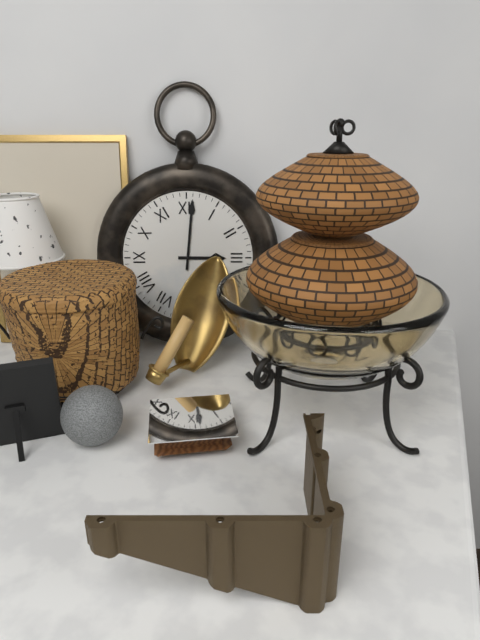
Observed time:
3:01
